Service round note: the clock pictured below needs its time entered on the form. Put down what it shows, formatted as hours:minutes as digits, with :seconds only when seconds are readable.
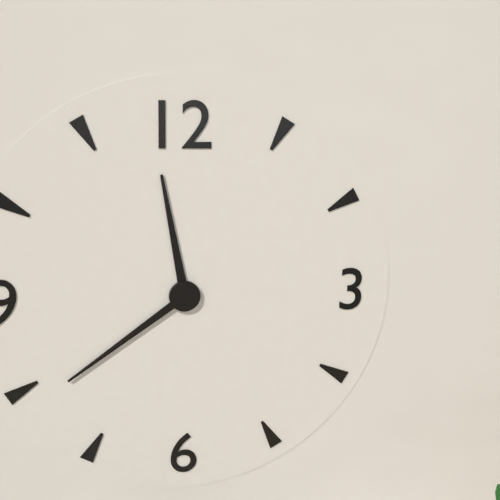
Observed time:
11:39
